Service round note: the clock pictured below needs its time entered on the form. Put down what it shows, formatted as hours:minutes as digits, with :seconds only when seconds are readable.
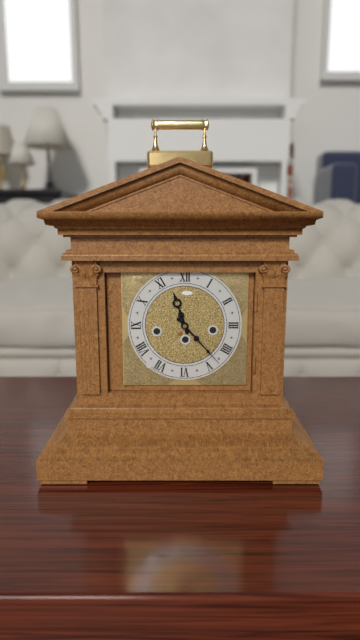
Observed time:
11:23
